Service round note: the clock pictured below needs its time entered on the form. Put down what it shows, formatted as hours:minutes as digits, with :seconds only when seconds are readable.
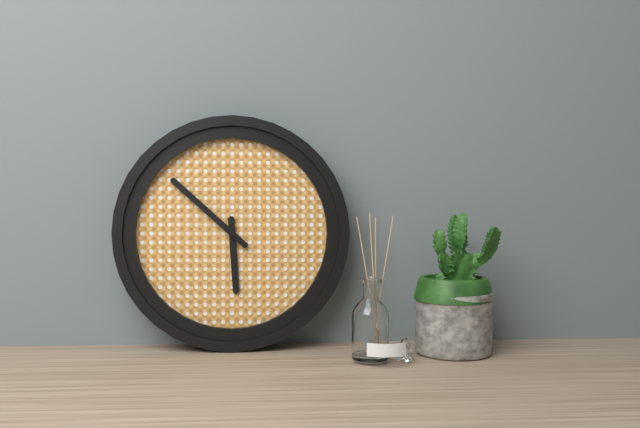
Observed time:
5:52
